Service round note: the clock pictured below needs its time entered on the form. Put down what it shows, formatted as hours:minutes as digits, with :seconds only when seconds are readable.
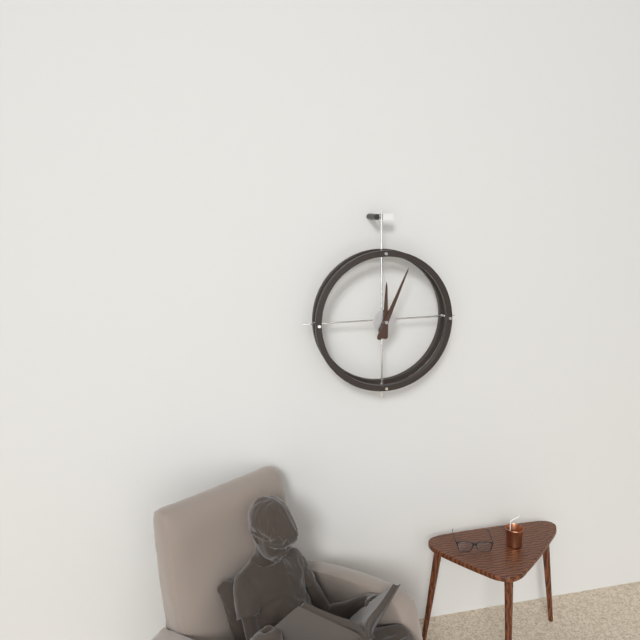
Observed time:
12:04
